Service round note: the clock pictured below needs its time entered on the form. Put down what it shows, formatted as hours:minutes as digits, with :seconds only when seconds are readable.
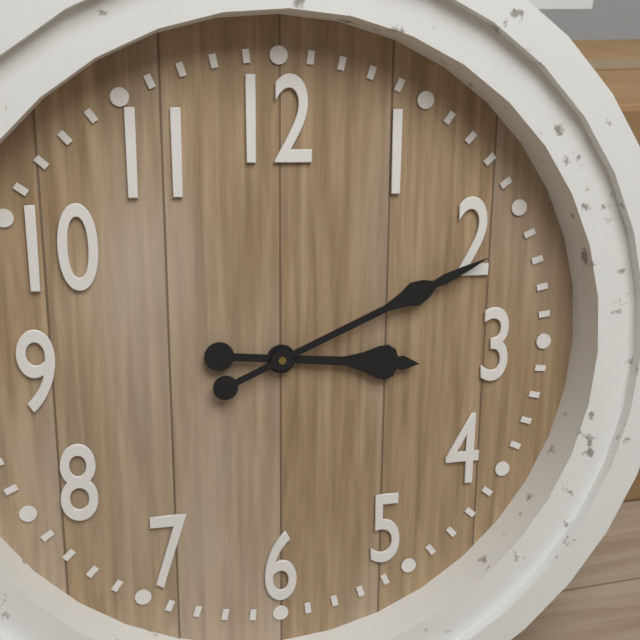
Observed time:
3:11
